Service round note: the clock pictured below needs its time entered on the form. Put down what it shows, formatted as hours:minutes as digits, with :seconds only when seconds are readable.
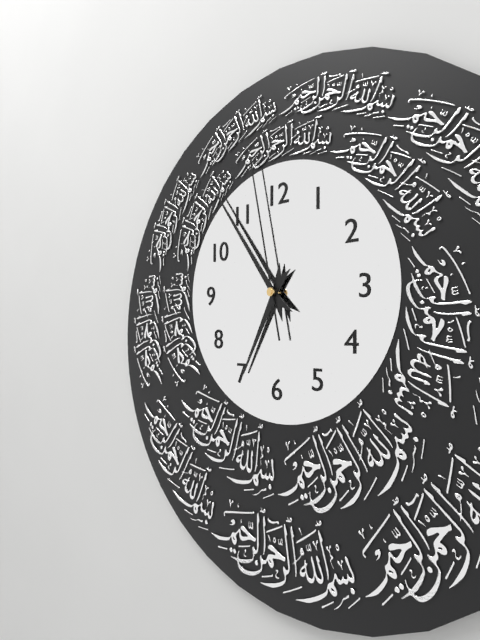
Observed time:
6:54:58
